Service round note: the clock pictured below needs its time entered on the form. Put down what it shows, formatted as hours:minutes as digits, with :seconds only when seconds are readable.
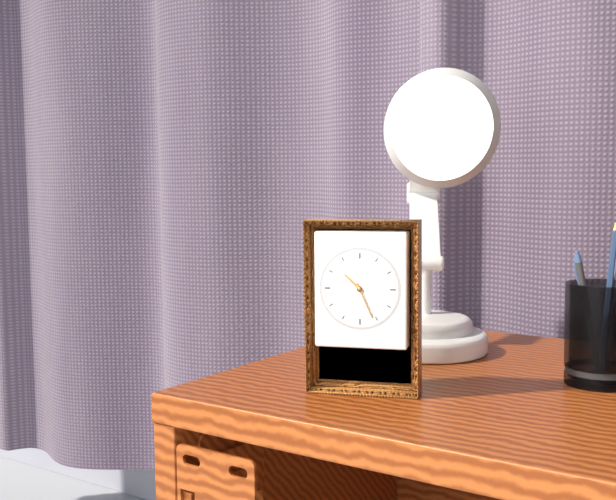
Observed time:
10:26
